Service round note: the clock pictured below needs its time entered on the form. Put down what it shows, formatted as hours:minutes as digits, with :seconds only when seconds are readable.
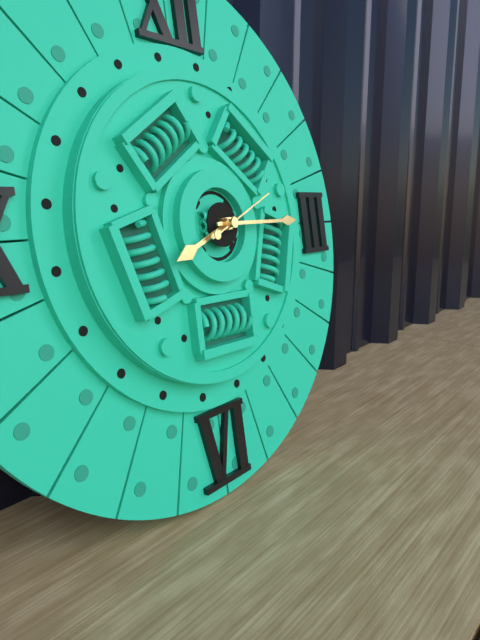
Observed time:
8:15:11
